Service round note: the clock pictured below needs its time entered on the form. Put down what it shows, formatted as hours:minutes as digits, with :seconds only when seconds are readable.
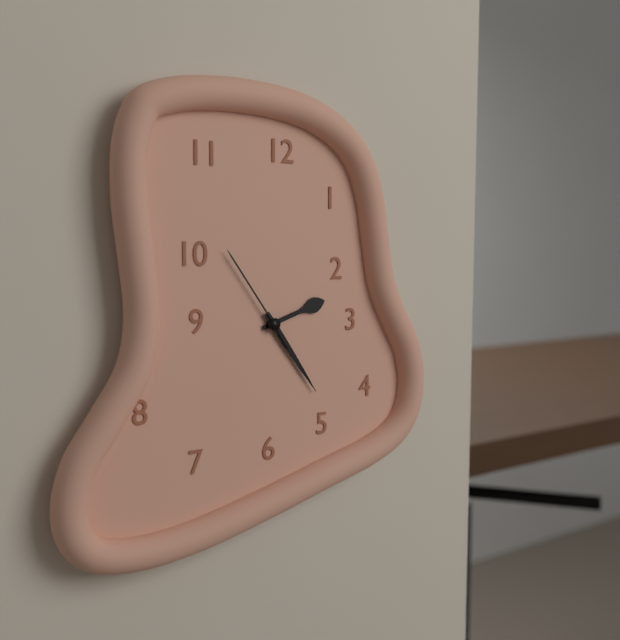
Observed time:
2:24:54
